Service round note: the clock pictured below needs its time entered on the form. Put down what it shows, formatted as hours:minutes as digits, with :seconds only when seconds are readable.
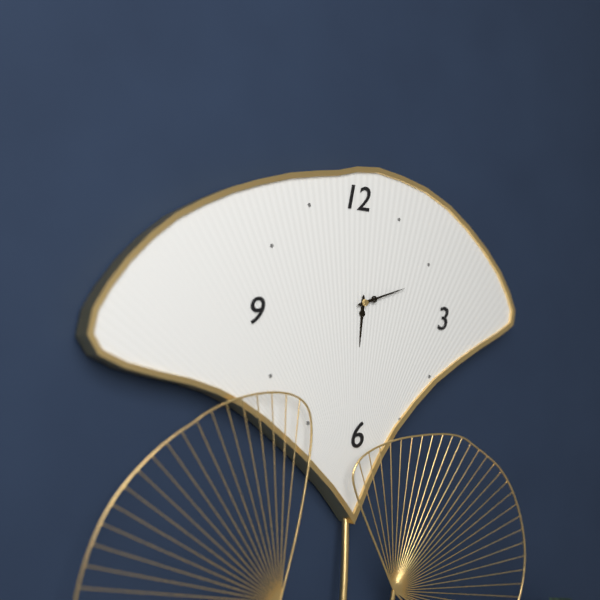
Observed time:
6:12
